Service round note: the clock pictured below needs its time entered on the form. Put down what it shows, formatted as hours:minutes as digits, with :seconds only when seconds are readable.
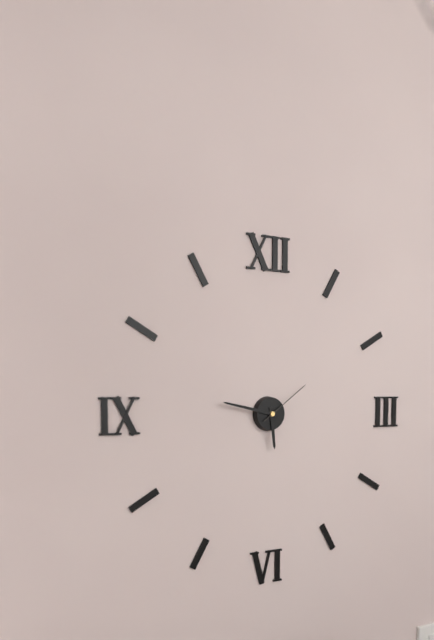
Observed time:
5:47:09
